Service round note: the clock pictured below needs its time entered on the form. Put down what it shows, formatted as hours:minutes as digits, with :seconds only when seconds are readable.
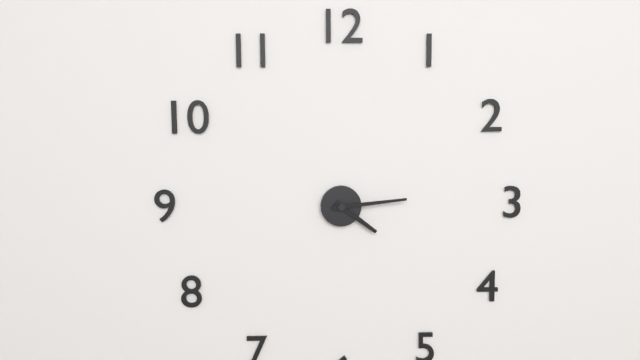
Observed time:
4:14
